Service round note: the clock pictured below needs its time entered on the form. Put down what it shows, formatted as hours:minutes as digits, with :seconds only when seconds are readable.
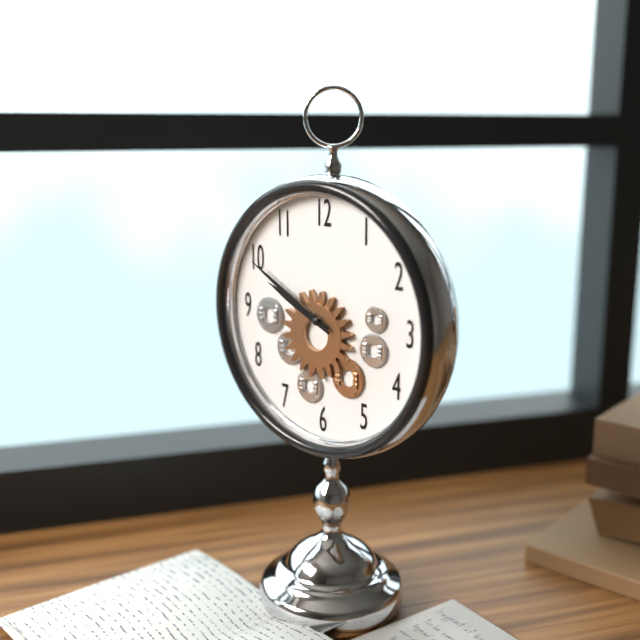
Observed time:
9:50
